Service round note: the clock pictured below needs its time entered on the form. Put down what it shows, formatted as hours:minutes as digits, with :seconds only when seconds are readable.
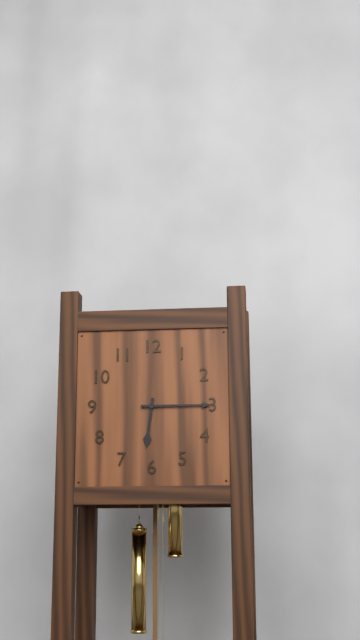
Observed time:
6:15
